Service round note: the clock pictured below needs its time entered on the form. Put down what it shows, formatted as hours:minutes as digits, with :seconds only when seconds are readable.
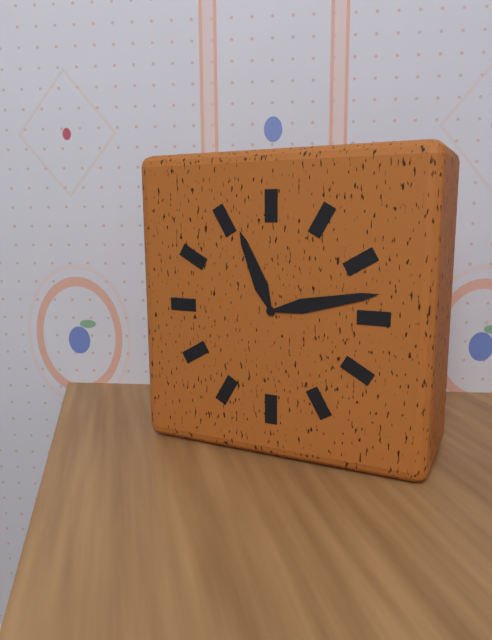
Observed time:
11:13
